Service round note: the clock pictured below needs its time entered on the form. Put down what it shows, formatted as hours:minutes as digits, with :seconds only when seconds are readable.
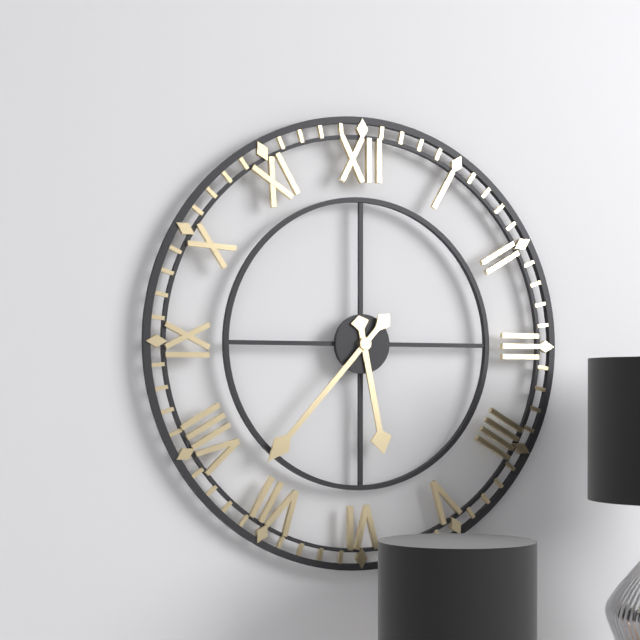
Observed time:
5:37
